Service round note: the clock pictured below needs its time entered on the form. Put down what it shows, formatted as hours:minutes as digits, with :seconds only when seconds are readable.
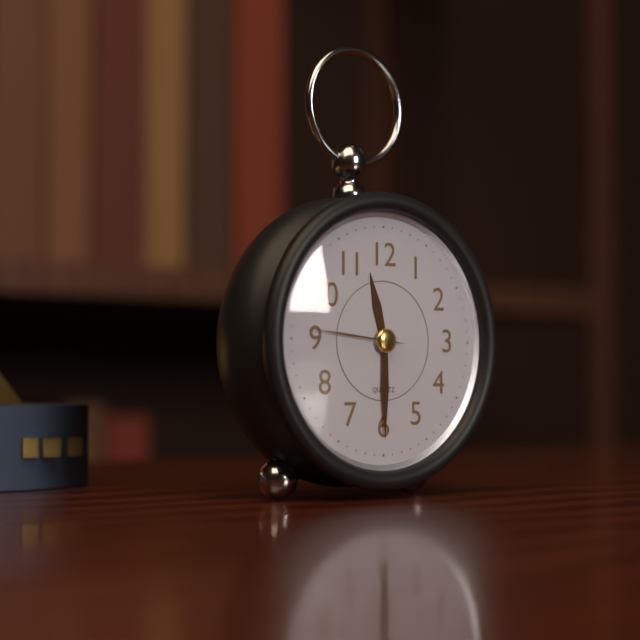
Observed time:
11:30:46
